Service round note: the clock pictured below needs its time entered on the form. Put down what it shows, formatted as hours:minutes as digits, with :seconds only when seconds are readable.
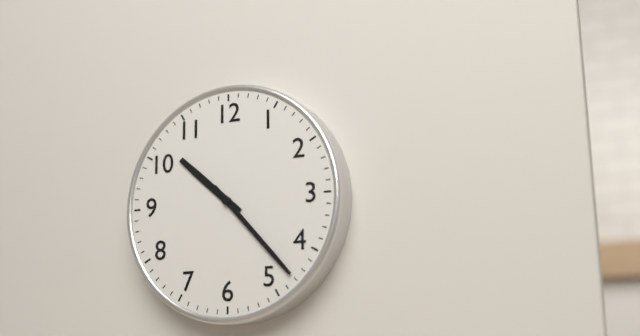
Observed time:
10:23
